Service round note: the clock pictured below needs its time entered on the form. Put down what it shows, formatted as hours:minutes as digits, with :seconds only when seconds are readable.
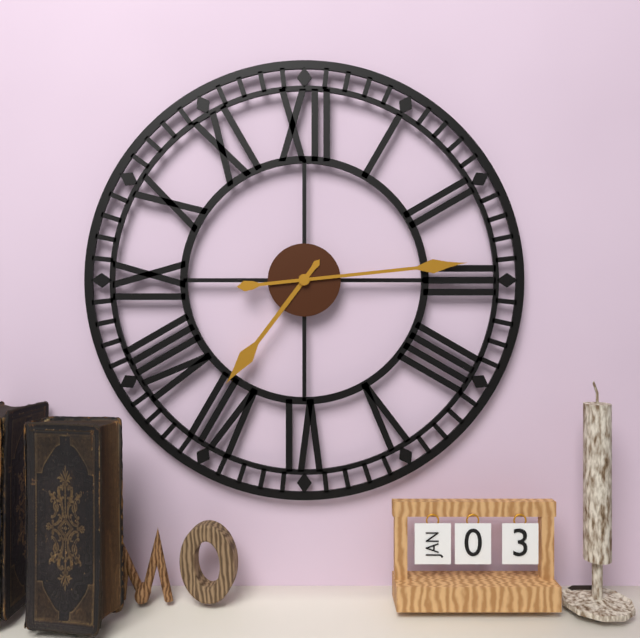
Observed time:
7:14
